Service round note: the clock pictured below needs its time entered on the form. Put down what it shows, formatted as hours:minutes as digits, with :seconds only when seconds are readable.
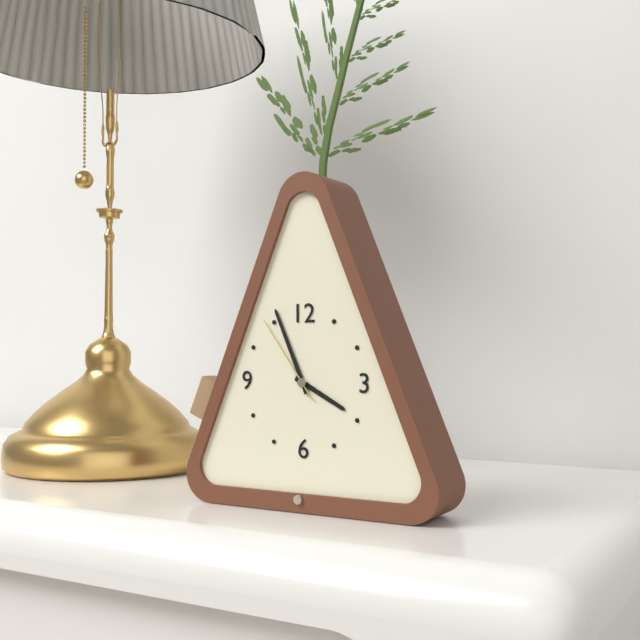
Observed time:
3:56:54
